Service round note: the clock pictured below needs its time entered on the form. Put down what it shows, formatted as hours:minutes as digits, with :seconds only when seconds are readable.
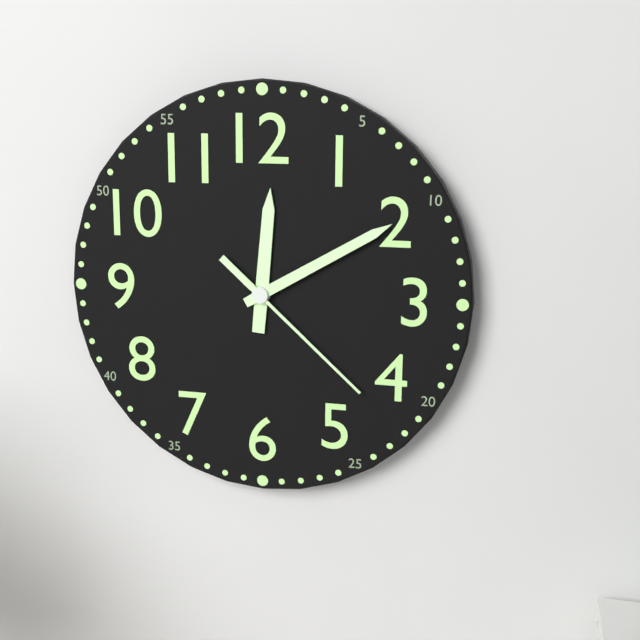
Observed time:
12:10:22
